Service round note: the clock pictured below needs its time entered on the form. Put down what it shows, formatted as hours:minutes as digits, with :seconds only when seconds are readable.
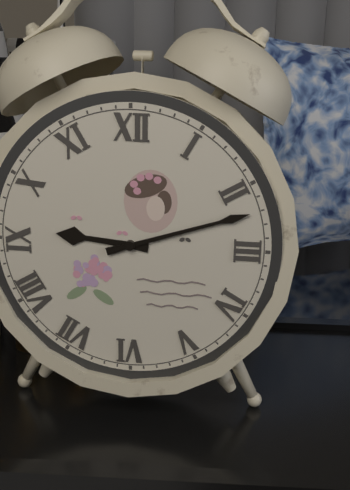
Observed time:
9:12
